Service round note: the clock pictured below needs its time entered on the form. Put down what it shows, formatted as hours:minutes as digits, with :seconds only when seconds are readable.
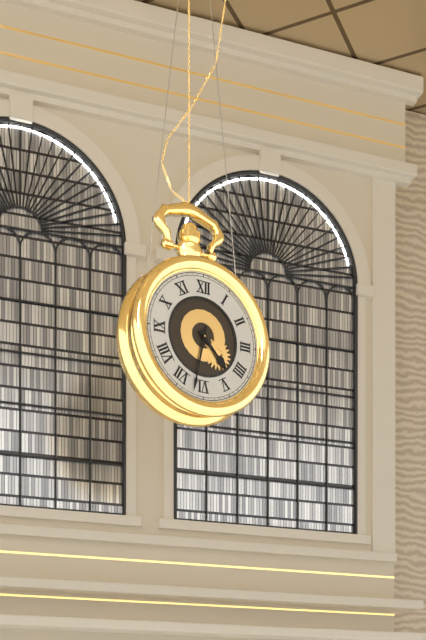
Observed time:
4:32
